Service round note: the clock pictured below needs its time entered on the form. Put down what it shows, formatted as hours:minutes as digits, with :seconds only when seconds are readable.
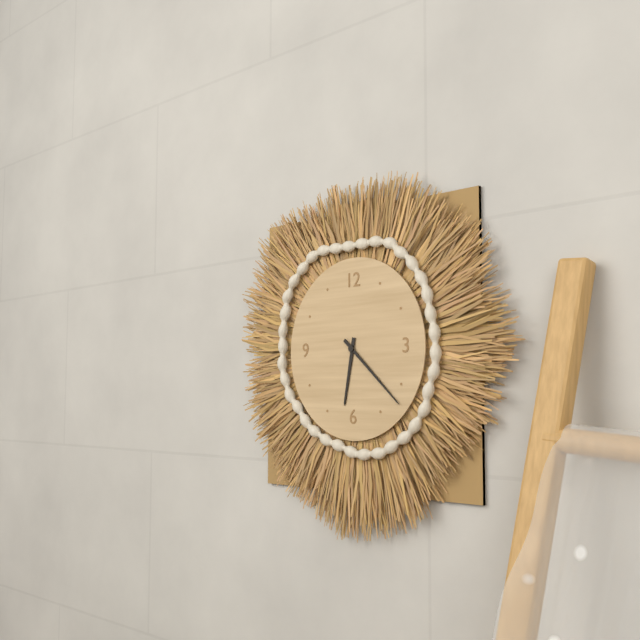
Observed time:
6:22
